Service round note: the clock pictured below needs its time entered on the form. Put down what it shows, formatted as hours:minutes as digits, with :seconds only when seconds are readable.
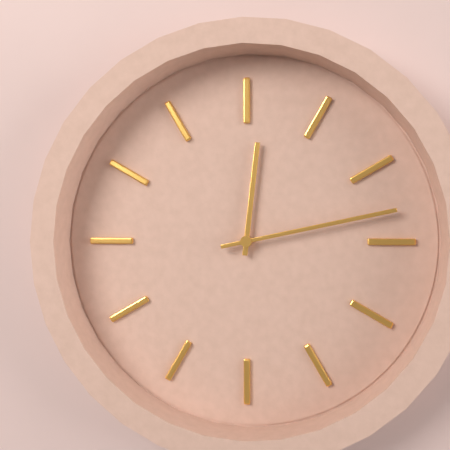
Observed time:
12:13
